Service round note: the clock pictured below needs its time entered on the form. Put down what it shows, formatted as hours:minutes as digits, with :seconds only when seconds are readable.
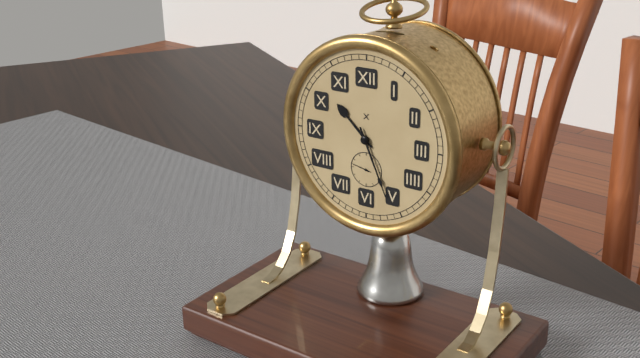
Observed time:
10:26
